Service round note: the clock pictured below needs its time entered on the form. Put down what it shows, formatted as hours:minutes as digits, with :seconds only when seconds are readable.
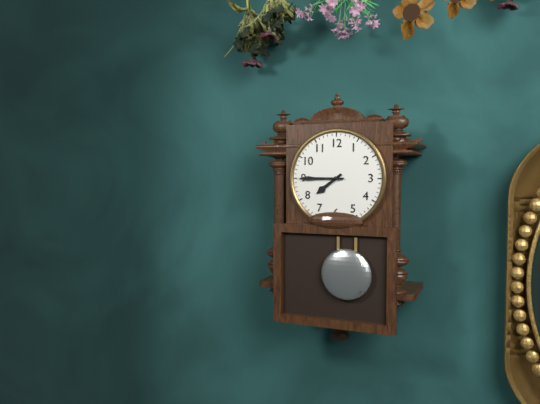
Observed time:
7:45
